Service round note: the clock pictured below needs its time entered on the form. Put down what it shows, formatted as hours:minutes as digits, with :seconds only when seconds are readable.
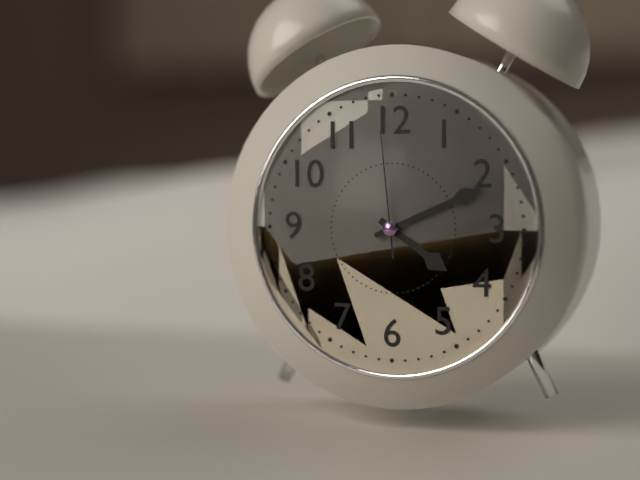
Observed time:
4:11:59
